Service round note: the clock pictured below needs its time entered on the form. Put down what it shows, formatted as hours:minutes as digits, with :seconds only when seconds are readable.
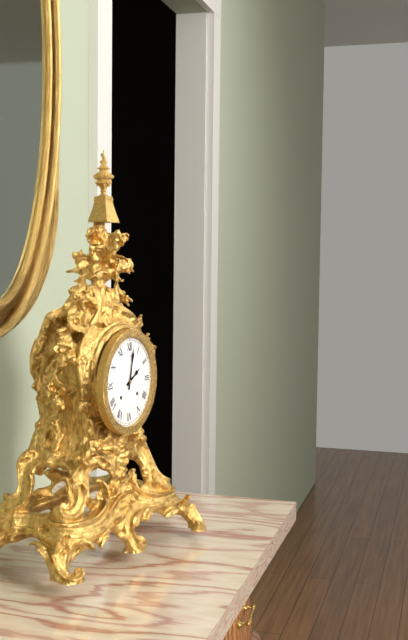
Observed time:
2:02
